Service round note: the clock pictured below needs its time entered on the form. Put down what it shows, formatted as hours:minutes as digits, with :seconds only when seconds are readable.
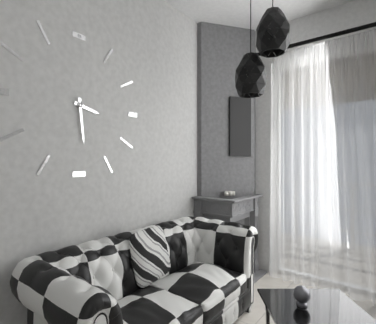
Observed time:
3:29
